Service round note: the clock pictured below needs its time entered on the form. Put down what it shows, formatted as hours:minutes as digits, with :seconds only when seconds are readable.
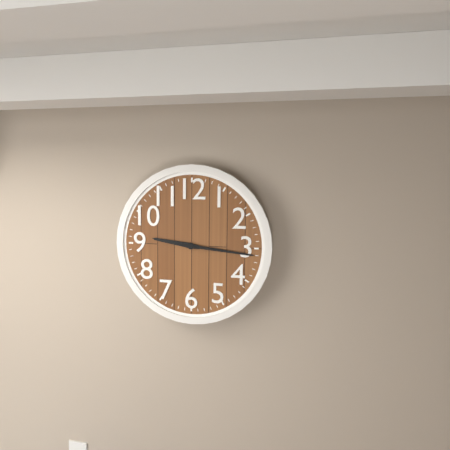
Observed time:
9:16
